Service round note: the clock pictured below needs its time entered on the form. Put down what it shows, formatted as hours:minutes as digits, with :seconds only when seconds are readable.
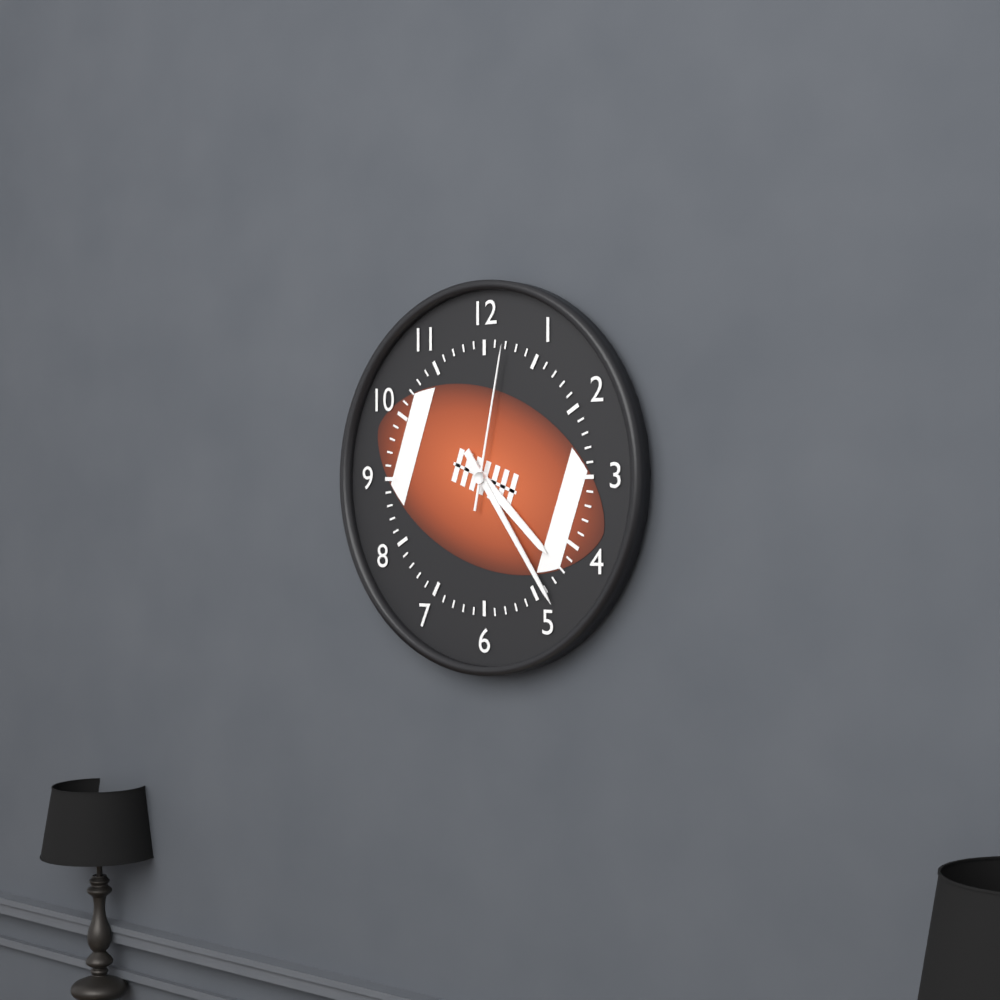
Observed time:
4:24:02
